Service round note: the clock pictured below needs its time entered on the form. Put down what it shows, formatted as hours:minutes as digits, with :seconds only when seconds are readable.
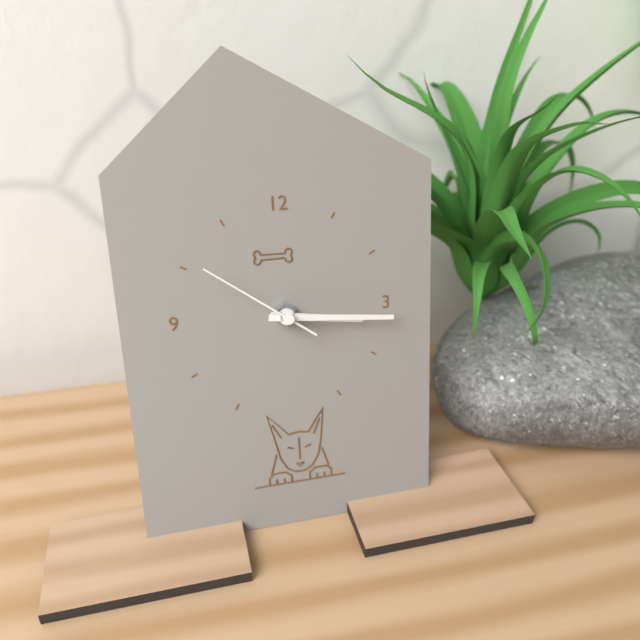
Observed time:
3:16:51
